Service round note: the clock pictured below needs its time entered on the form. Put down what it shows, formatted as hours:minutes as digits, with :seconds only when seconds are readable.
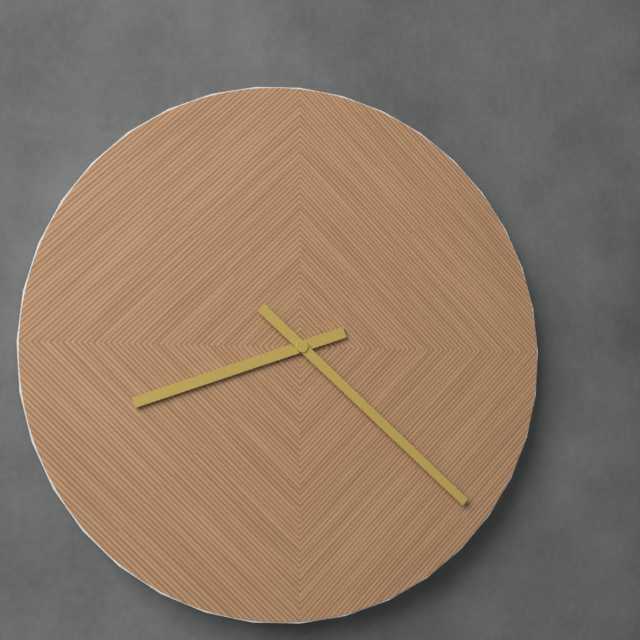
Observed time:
8:22
